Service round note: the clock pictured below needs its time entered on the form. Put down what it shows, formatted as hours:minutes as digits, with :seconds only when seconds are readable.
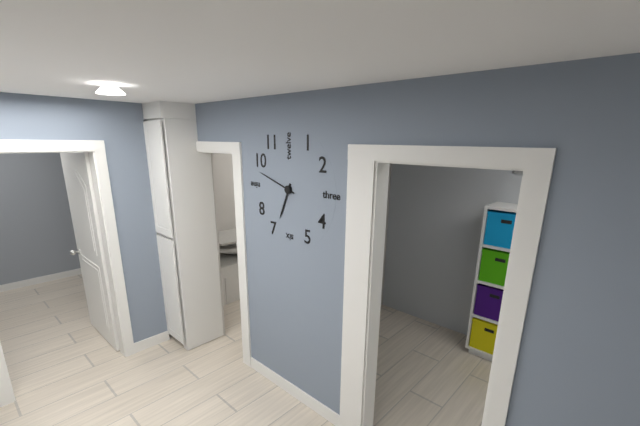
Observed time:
6:48
